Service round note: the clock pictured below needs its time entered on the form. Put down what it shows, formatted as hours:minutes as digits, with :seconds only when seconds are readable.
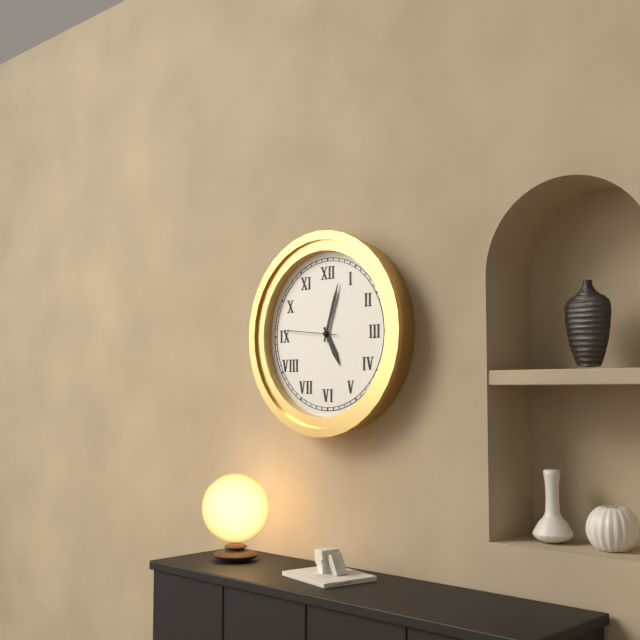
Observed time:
5:03:46
